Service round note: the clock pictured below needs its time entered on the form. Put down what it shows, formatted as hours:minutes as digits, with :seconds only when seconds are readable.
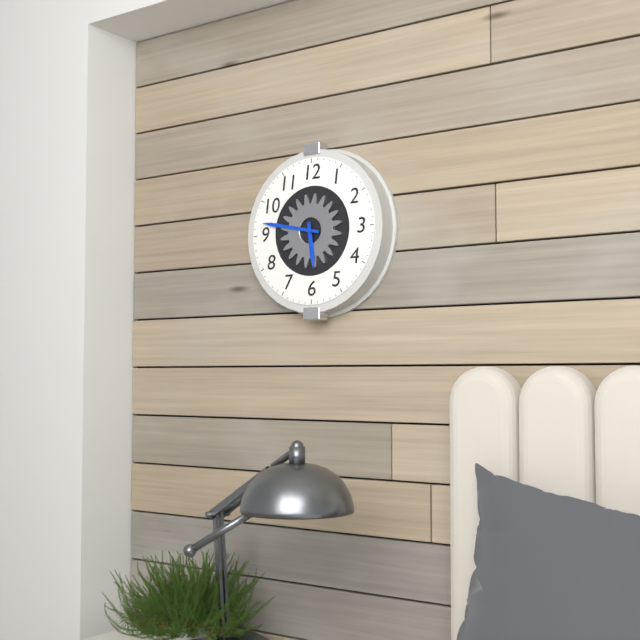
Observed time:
5:47
